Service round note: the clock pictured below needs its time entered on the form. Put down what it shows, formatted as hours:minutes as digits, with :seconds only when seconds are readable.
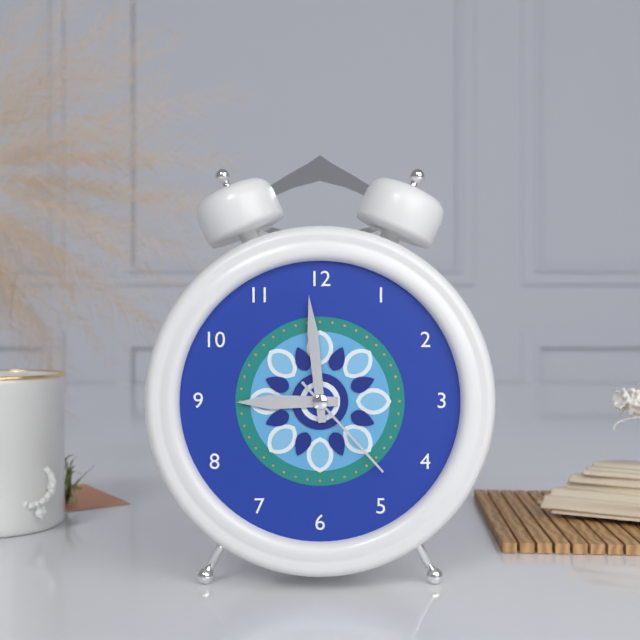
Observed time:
8:59:23
